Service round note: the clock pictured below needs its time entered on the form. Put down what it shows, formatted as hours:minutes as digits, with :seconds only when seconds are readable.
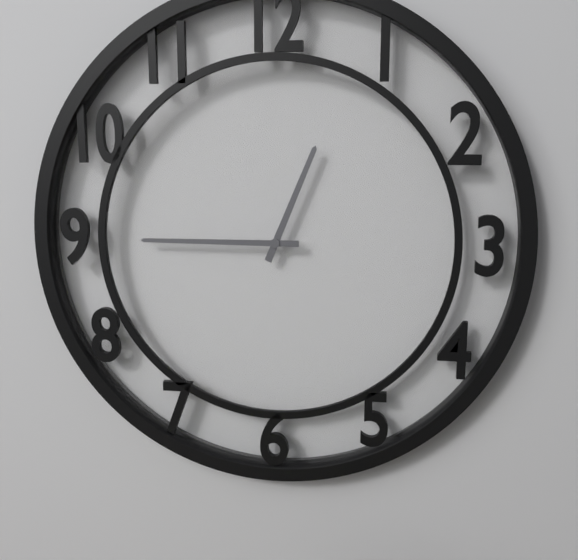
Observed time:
12:45
